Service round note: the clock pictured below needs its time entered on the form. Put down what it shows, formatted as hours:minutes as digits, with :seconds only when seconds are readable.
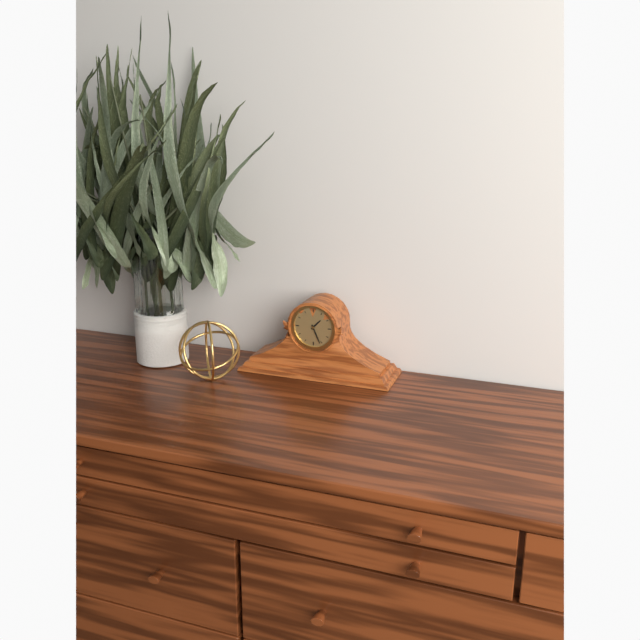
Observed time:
1:26
